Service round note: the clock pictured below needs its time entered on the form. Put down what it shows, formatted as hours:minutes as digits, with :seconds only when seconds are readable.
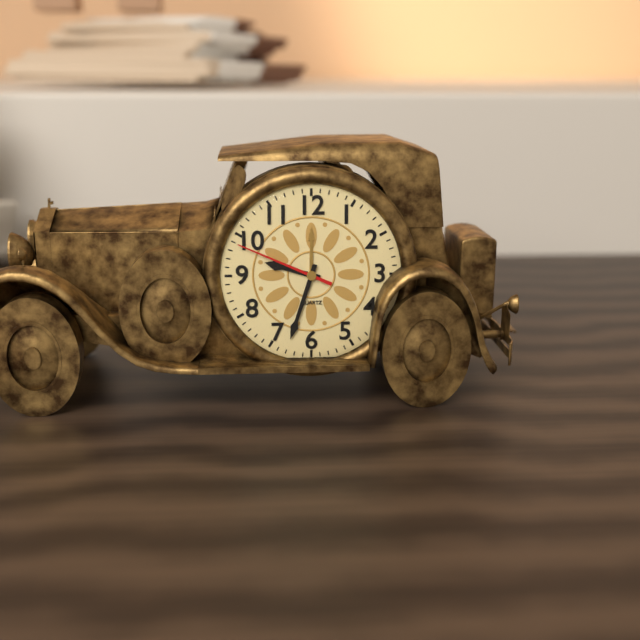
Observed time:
9:33:49
